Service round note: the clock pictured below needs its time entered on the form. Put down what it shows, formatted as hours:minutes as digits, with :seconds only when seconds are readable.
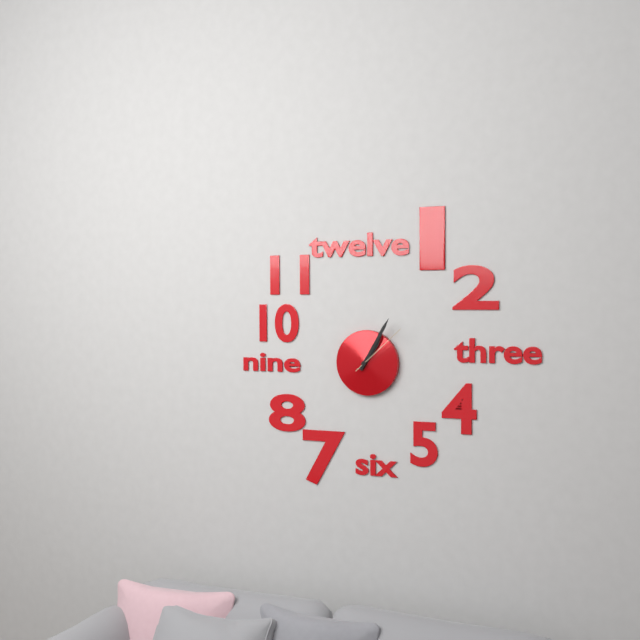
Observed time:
1:05:08
